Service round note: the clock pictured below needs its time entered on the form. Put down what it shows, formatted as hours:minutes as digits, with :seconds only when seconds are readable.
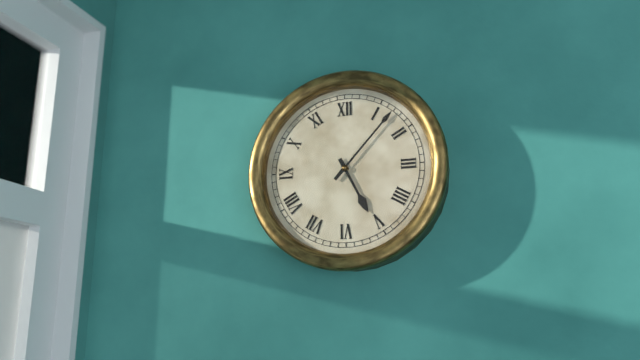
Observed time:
5:07
